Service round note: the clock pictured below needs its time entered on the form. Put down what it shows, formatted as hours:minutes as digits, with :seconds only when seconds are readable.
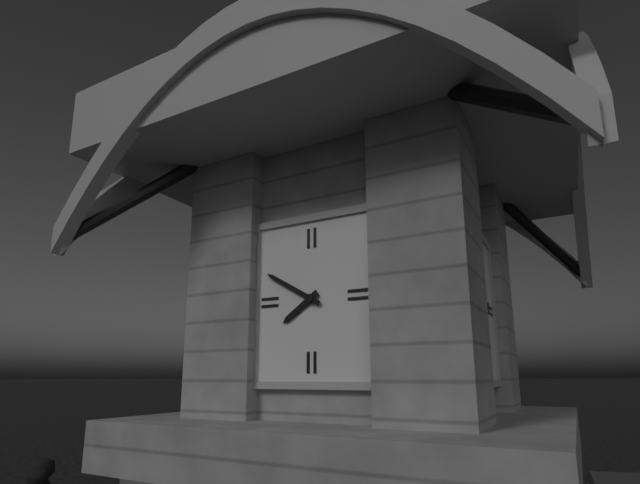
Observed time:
7:50
